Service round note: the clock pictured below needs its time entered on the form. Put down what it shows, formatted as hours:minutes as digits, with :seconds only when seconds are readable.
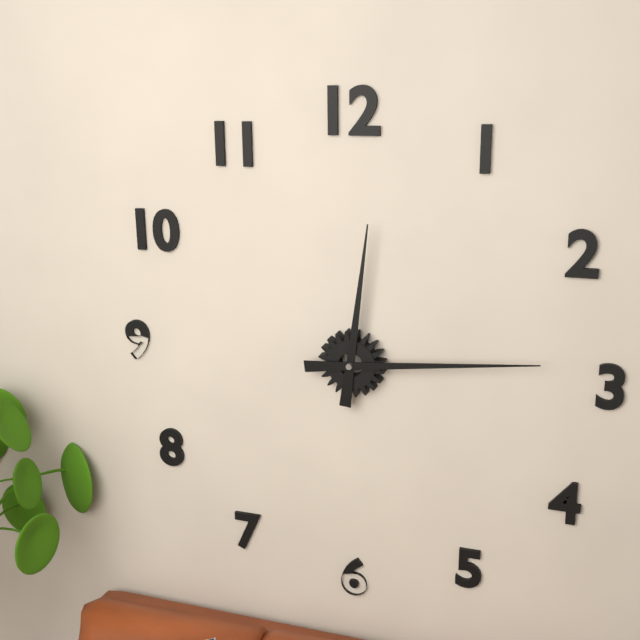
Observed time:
12:14
